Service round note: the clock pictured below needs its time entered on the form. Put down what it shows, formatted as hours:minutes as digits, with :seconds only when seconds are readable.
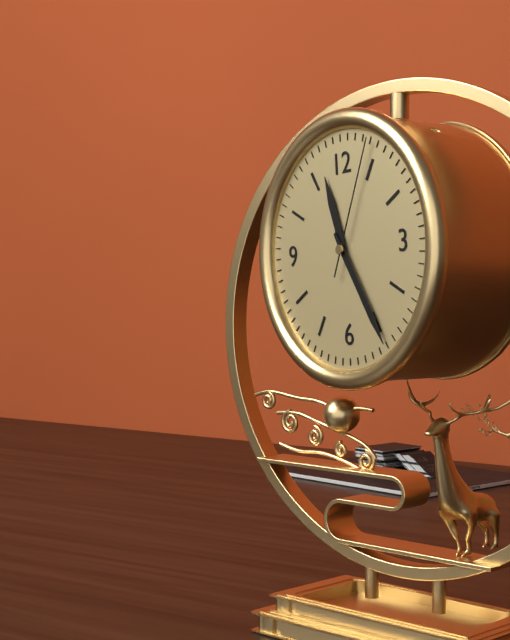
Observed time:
11:25:04
